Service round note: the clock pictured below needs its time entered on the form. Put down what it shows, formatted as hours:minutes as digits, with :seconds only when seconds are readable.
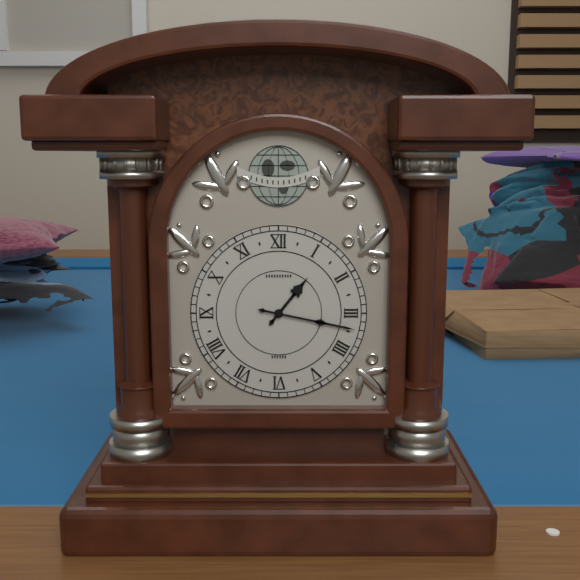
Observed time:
1:17
